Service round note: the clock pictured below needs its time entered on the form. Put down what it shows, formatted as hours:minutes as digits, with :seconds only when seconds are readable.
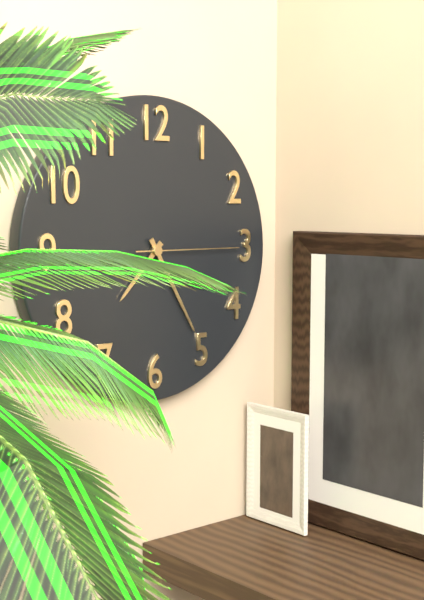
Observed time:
7:25:15
